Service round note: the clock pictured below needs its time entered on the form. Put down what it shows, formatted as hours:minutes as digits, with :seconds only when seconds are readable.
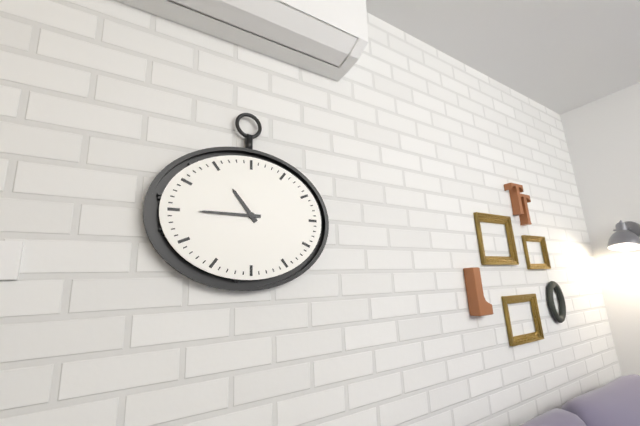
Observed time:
10:45
